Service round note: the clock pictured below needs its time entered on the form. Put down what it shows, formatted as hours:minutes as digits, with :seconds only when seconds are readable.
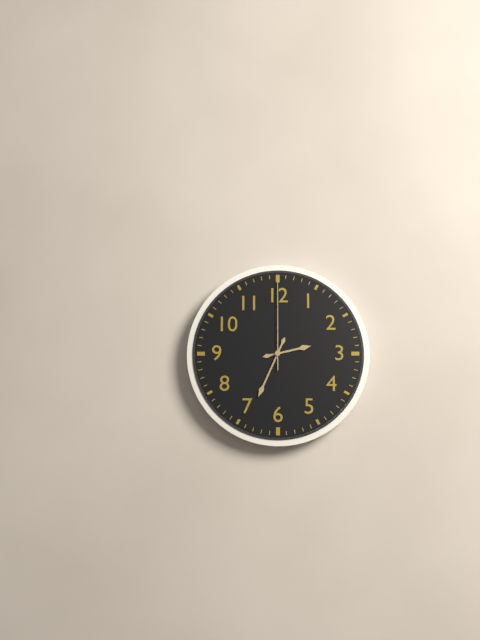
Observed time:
2:34:00
